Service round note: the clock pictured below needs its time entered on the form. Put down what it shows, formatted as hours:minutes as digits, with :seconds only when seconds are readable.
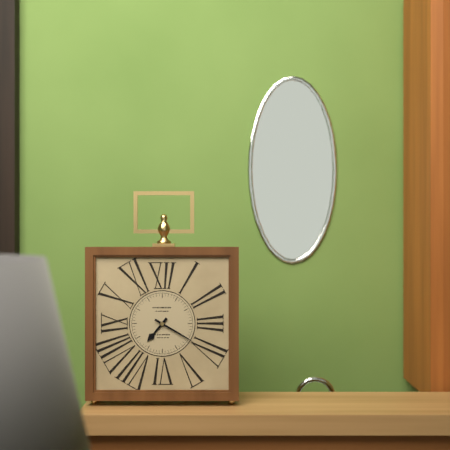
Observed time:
7:20
